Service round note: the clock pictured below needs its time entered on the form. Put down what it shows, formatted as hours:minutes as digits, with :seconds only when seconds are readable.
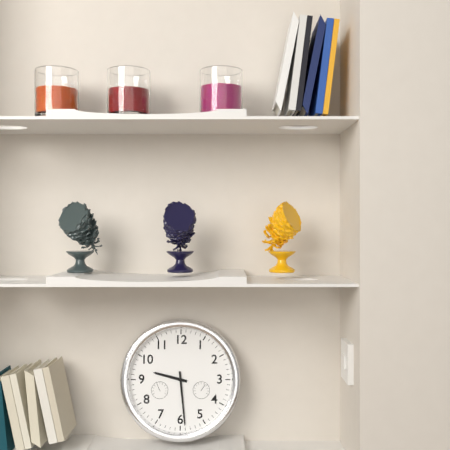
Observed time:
9:29
